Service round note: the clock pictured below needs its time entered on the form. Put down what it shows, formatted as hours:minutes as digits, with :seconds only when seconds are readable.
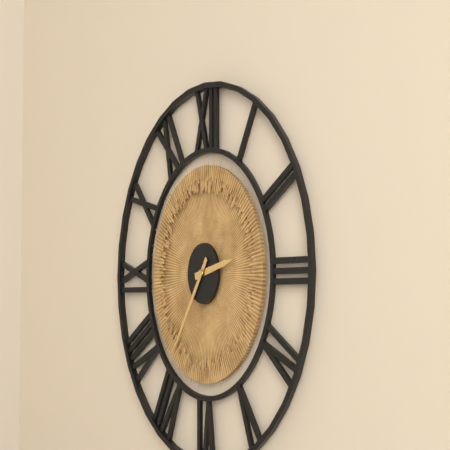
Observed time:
2:36
